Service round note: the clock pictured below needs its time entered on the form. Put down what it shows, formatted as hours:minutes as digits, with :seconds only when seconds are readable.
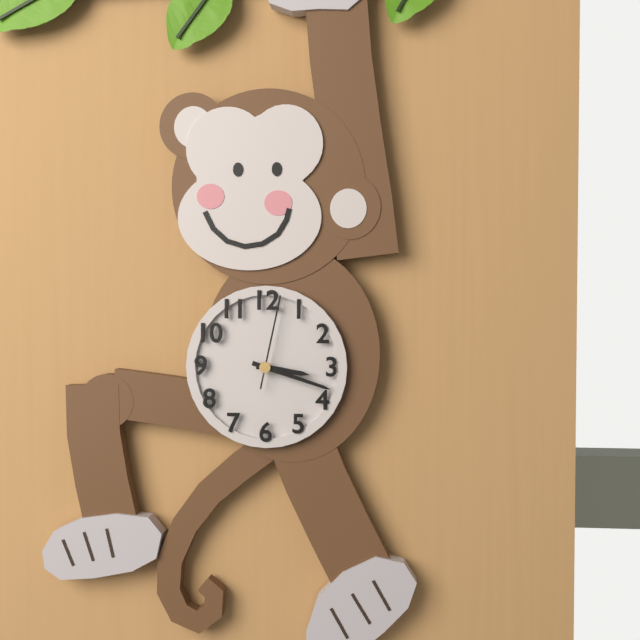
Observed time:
3:18:02
